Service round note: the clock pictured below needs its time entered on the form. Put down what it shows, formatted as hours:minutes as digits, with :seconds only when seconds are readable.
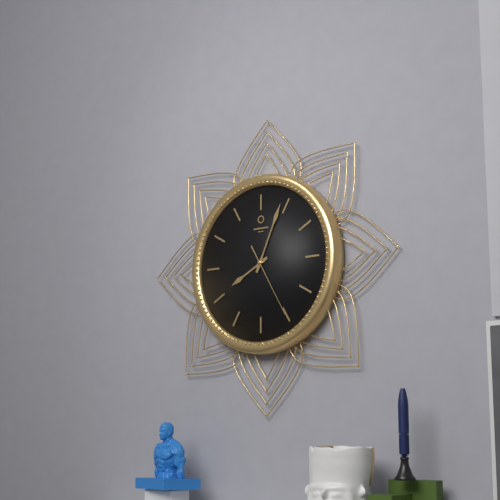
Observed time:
8:04:25
